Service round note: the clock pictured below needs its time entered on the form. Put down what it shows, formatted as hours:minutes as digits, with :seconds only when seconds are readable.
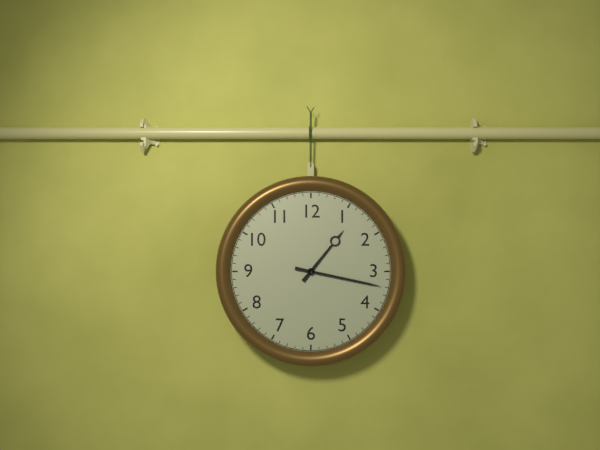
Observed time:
1:17
